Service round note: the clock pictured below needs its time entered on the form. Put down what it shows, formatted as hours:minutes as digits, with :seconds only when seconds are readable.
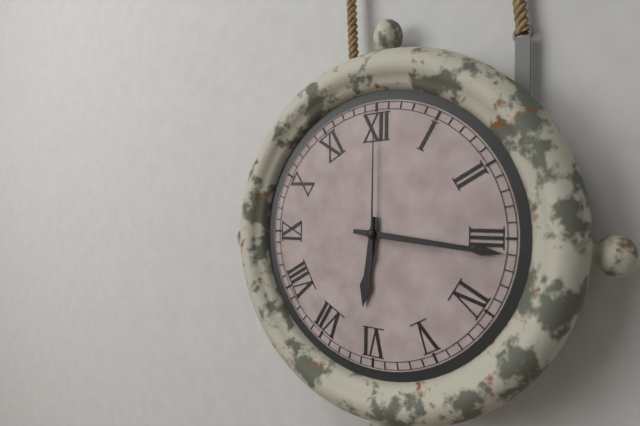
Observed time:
6:16:00
